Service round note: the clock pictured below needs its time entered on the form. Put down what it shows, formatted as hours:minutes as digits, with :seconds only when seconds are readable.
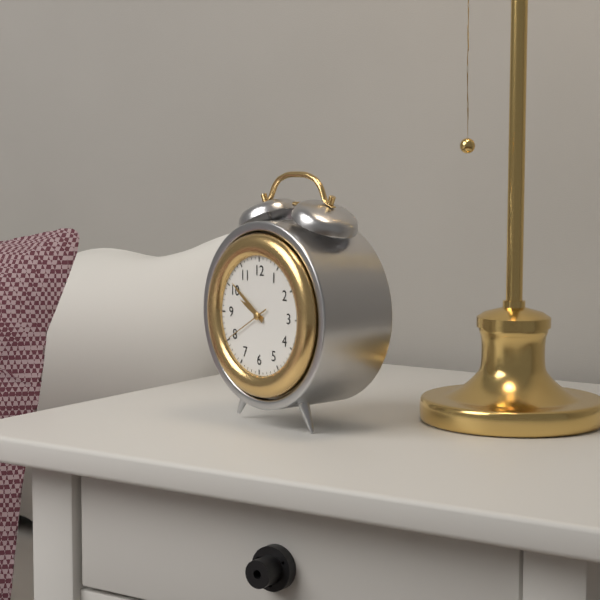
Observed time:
9:51
